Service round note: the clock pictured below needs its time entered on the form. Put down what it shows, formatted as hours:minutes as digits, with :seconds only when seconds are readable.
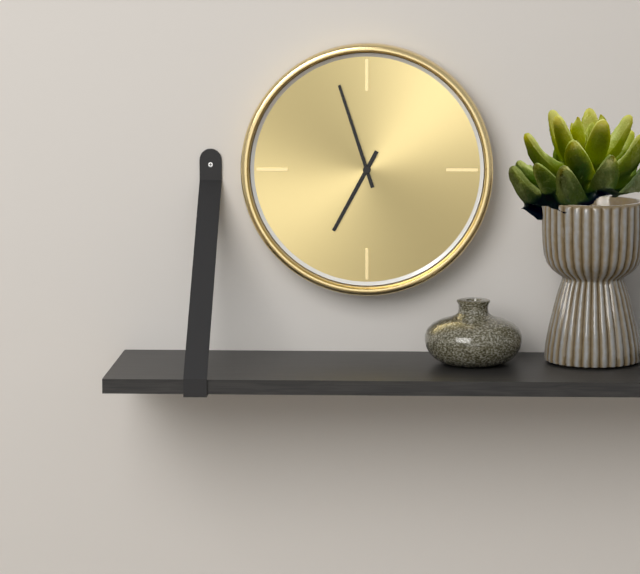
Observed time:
6:57
